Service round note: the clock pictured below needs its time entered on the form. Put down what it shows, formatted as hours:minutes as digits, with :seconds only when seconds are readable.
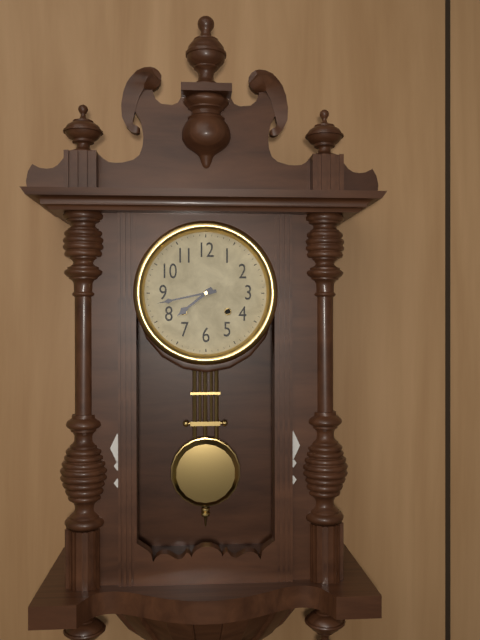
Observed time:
7:43
